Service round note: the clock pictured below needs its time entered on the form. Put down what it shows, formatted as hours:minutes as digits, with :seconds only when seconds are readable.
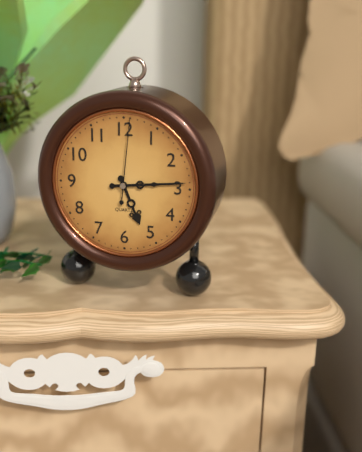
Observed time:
5:14:01
